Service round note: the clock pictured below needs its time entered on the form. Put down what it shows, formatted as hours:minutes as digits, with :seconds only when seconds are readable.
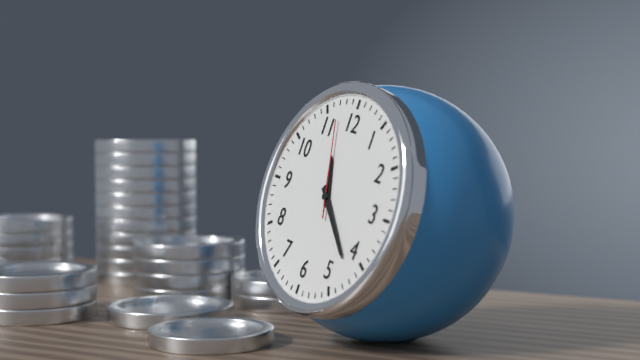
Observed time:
11:22:57
